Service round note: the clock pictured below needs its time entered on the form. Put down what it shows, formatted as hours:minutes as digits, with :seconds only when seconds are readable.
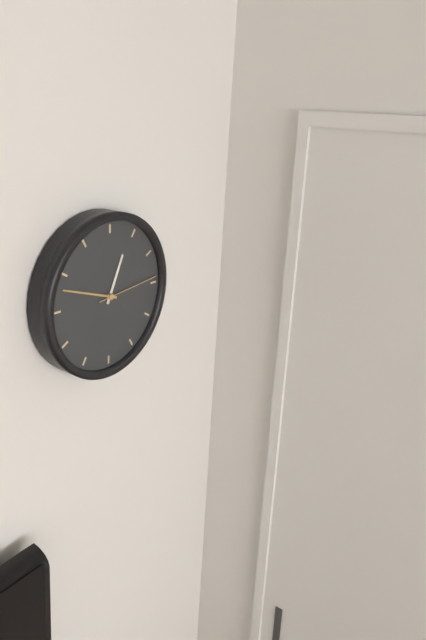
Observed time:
12:48:14
